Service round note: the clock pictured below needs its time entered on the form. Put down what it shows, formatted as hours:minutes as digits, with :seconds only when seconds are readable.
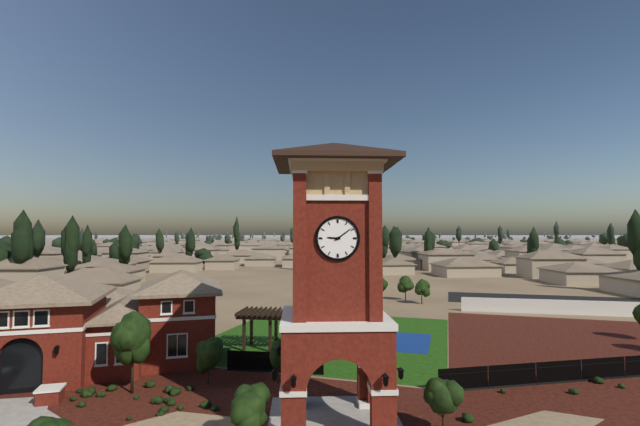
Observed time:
9:09
